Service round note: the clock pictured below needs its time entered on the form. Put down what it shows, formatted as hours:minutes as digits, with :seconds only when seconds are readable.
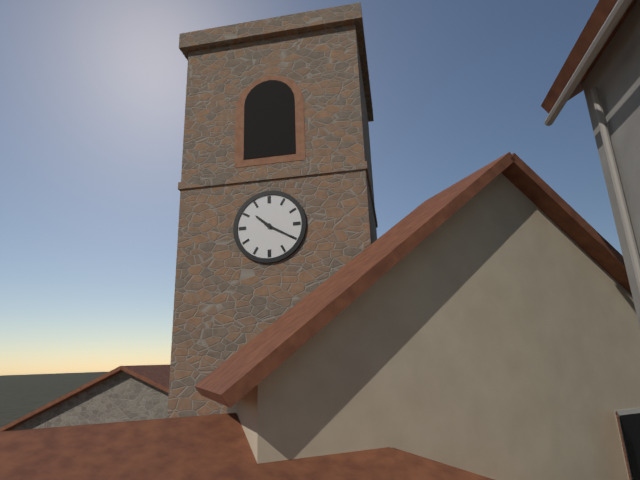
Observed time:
10:20
